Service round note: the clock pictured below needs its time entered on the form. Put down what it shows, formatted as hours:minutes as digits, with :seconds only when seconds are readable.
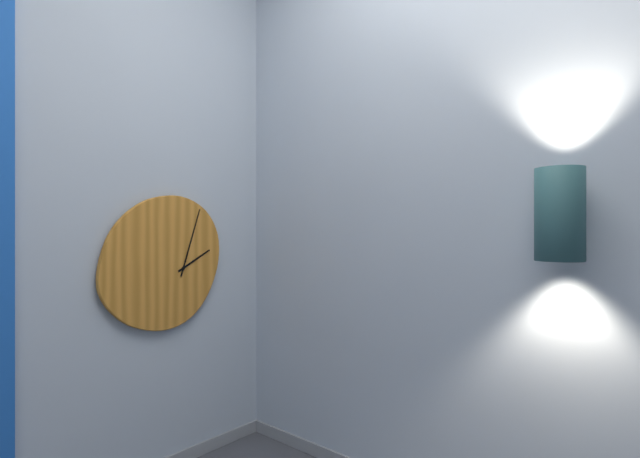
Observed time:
2:03
